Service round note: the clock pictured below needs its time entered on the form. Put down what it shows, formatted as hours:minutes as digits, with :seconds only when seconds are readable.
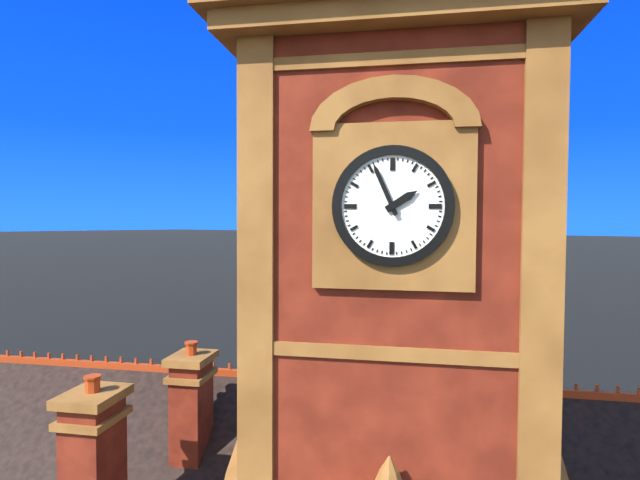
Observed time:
1:56
